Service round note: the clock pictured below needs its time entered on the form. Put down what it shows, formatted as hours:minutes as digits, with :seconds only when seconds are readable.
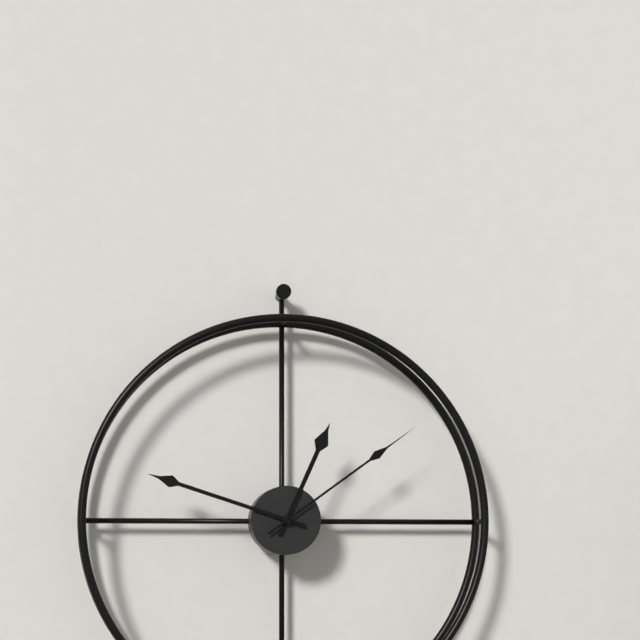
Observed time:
12:48:09
